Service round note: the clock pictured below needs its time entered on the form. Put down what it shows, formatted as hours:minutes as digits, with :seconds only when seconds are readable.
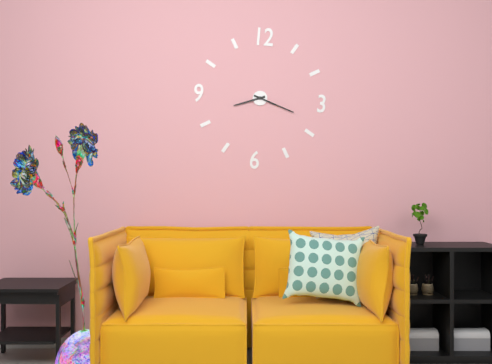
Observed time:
8:18
